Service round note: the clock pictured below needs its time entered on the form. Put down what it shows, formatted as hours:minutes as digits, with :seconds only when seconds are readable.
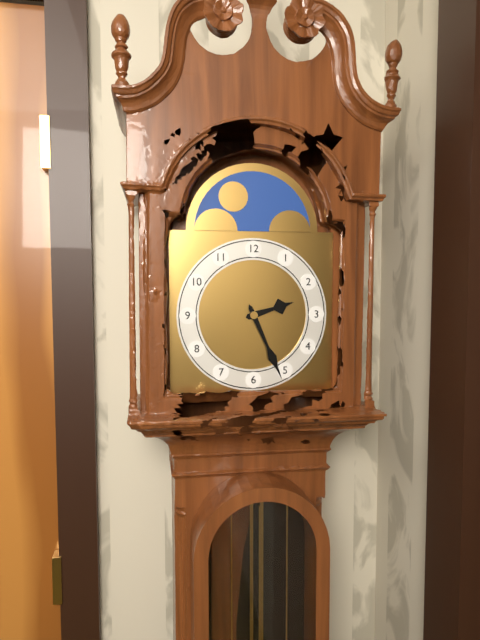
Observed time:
2:26
